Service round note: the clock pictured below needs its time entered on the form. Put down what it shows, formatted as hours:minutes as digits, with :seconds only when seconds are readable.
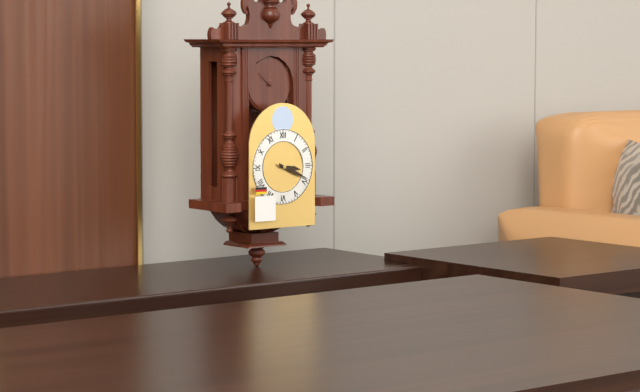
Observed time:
3:19
